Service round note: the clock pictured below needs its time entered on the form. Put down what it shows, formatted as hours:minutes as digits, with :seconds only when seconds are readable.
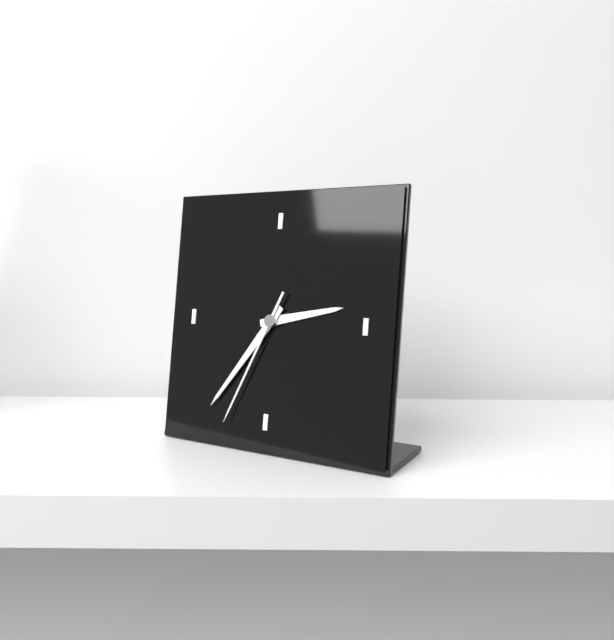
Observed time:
2:36:34
